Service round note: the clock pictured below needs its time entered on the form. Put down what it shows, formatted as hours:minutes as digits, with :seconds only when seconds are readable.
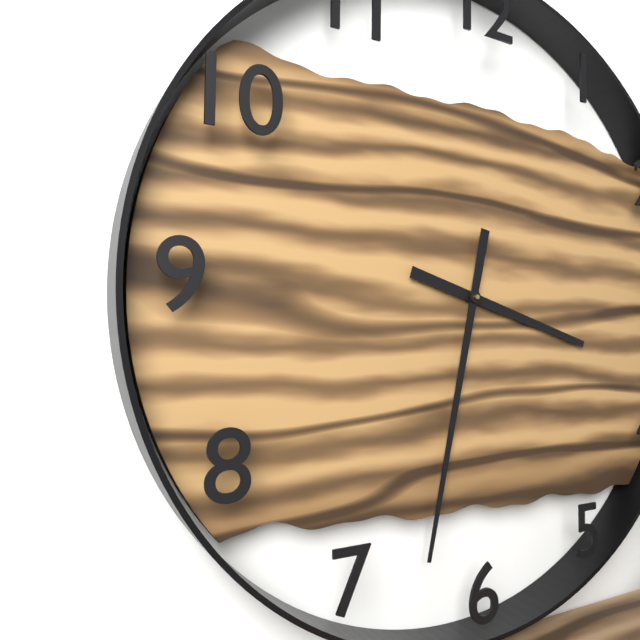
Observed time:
3:32
